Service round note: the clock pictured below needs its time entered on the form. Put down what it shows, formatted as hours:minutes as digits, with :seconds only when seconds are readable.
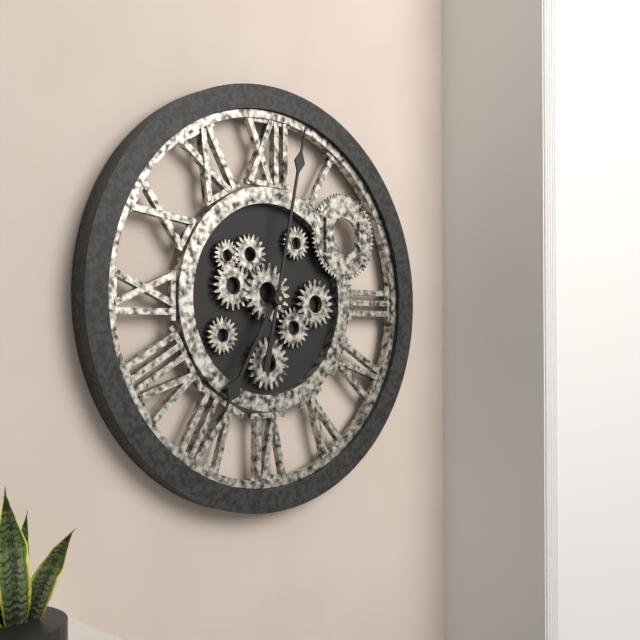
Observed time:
7:02
